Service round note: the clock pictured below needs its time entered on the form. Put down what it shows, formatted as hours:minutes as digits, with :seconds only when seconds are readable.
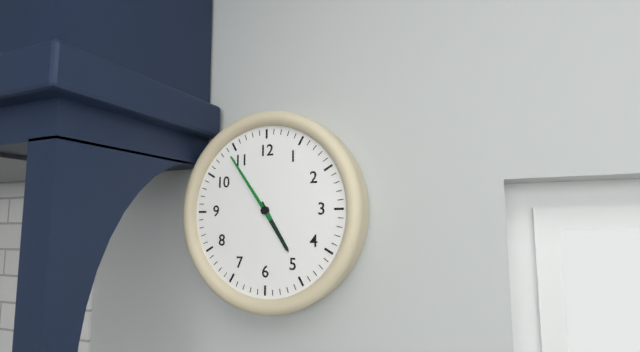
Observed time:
4:54
